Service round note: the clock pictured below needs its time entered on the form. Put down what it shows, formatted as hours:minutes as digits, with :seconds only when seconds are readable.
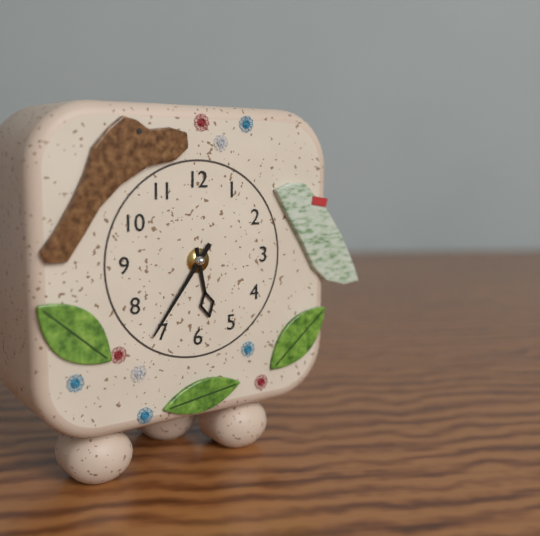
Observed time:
5:36
